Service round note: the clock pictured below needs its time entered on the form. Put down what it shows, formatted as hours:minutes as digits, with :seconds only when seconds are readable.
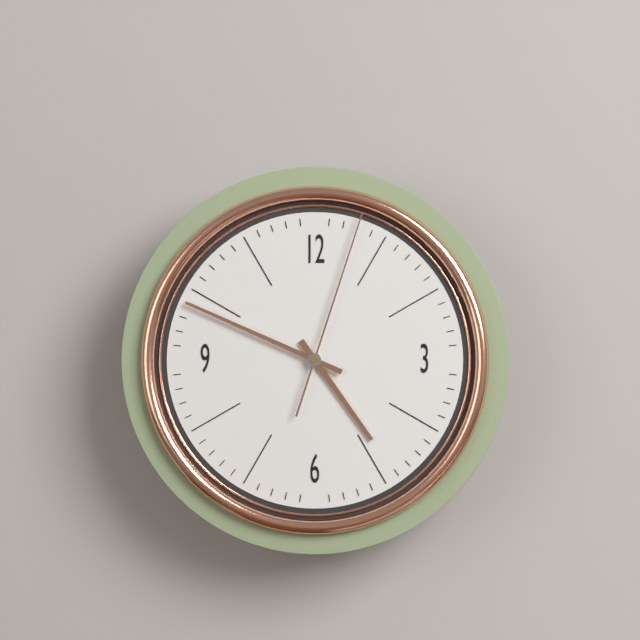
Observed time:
4:49:03
